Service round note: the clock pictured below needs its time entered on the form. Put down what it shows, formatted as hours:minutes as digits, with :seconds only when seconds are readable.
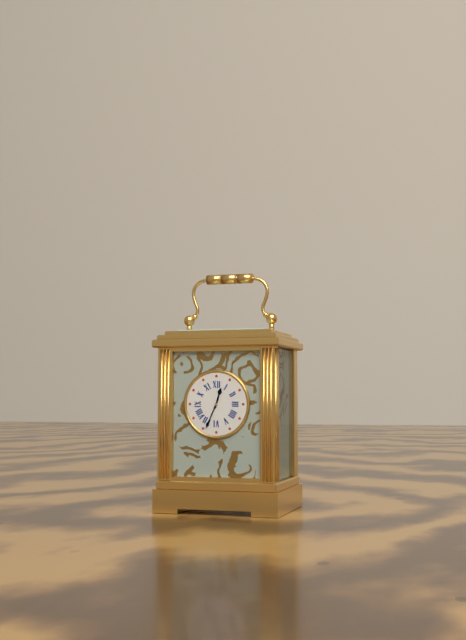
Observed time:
12:34
